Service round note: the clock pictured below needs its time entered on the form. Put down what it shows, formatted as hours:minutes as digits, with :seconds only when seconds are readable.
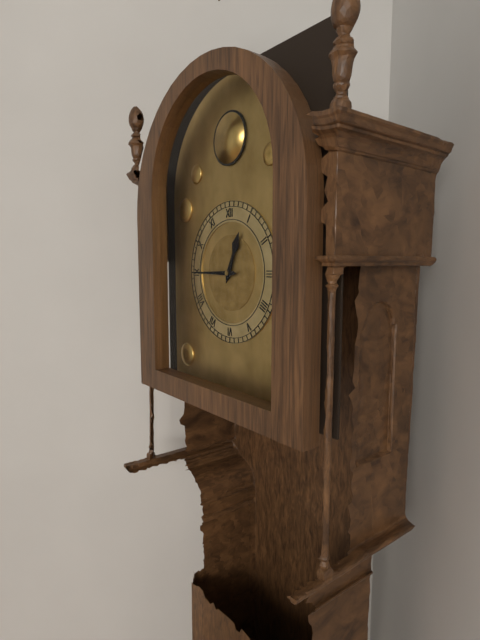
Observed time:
12:45
